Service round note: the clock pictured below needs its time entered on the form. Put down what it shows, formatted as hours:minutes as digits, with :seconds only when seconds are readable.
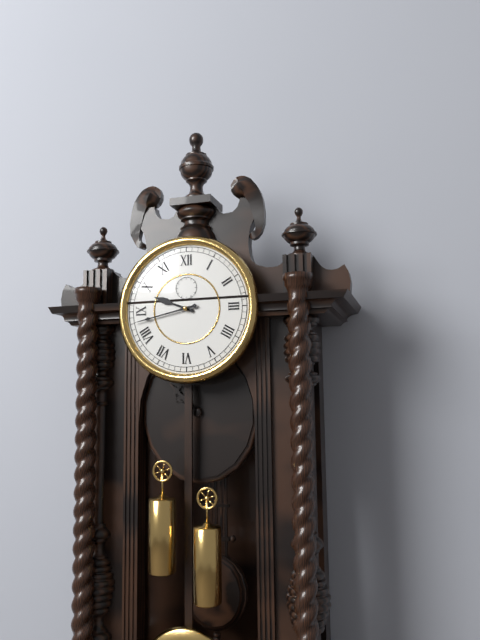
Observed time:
9:43
